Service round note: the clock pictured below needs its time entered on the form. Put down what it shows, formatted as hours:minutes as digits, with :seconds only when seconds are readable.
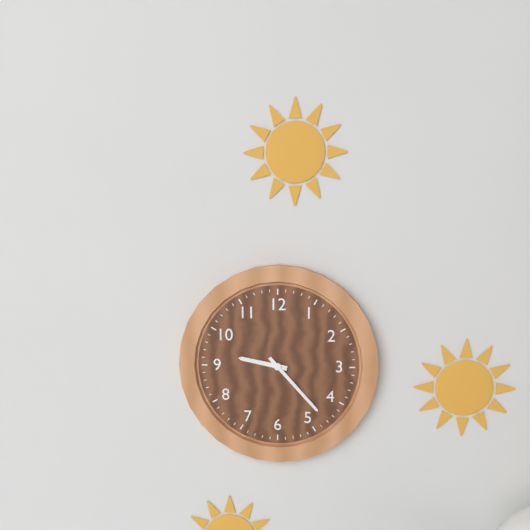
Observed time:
9:23
